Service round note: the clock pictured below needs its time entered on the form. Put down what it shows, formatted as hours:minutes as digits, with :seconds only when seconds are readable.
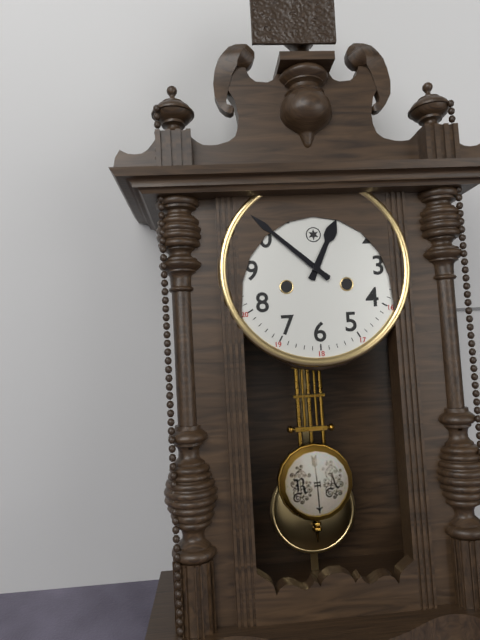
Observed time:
12:52
